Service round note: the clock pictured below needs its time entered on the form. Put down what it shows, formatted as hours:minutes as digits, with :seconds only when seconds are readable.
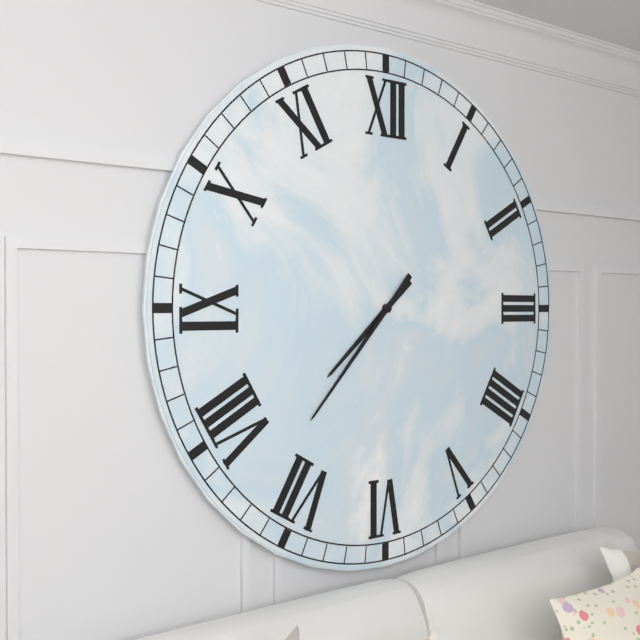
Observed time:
7:37
